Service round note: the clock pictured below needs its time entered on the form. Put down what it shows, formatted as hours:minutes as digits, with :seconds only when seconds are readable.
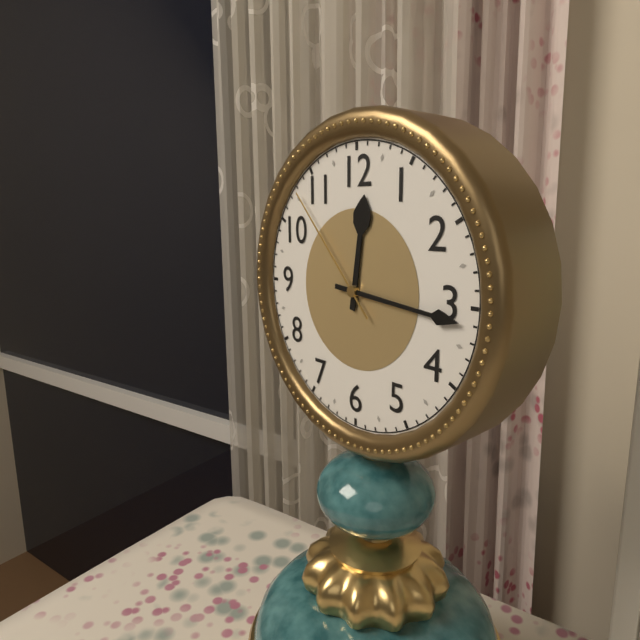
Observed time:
12:16:53
